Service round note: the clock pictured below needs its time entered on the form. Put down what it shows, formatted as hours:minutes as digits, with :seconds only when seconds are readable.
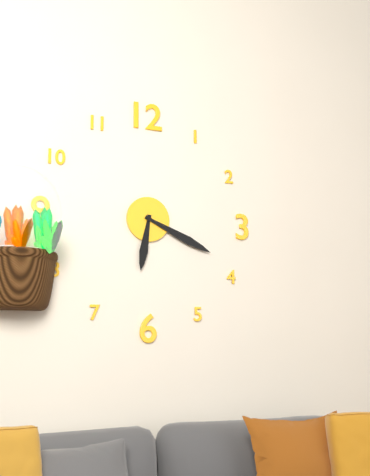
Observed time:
6:19
